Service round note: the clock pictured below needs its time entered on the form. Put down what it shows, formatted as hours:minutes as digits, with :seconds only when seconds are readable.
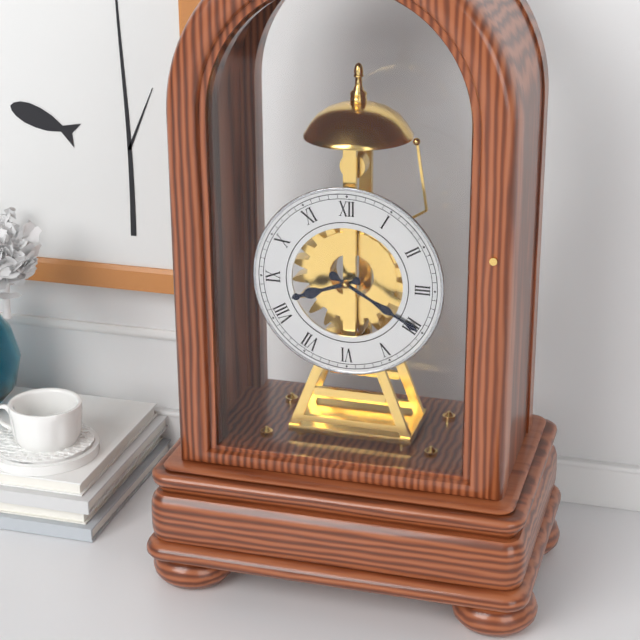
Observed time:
8:20
